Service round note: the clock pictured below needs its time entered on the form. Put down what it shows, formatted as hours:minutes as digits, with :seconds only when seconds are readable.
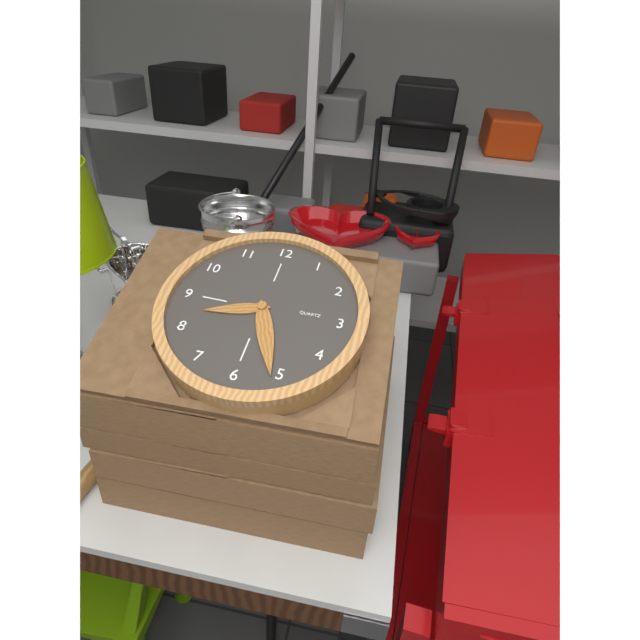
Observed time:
8:26
